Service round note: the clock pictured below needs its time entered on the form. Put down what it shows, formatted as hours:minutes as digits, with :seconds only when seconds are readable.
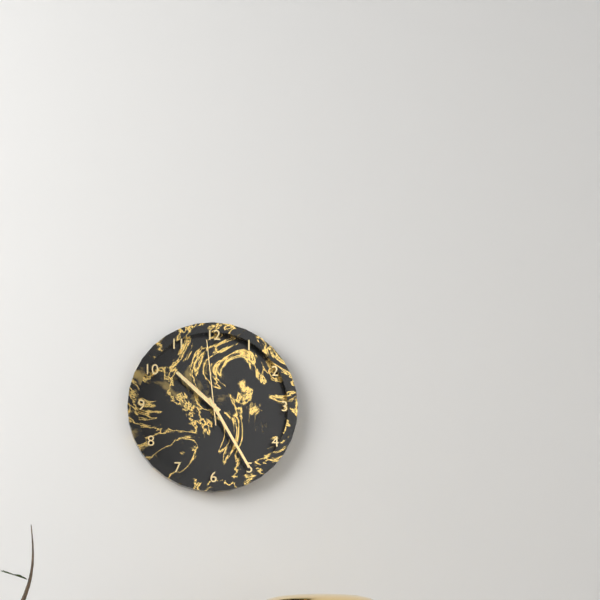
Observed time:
10:25:59
